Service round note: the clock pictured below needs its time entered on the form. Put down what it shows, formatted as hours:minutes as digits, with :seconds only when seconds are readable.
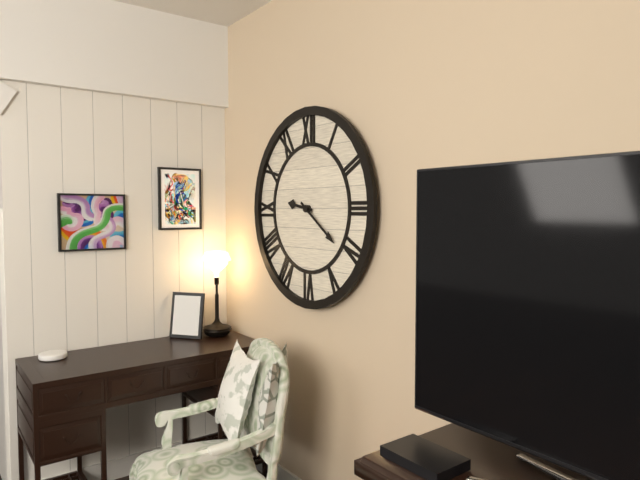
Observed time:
9:21
